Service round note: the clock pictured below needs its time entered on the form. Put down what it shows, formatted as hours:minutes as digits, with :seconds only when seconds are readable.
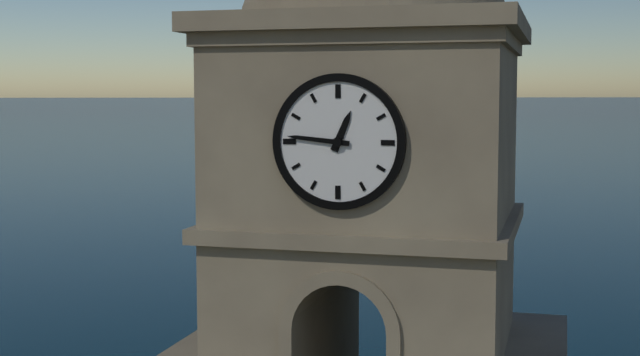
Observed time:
12:46
